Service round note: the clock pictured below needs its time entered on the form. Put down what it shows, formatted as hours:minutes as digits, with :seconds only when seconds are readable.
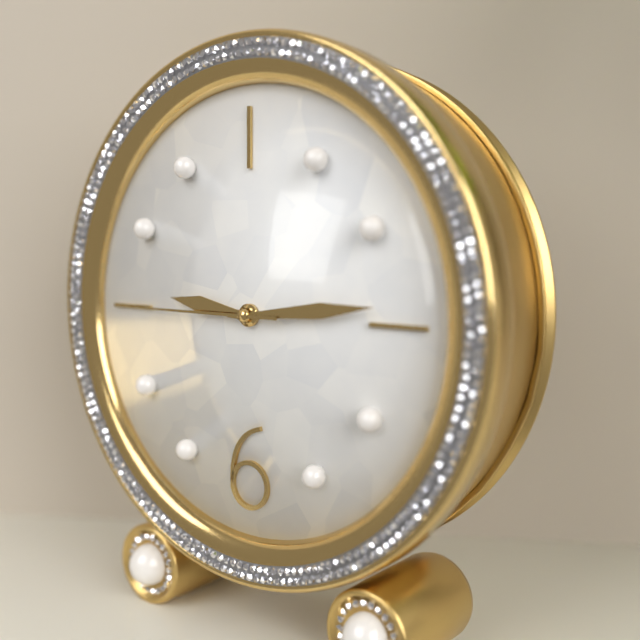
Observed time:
9:14:45
